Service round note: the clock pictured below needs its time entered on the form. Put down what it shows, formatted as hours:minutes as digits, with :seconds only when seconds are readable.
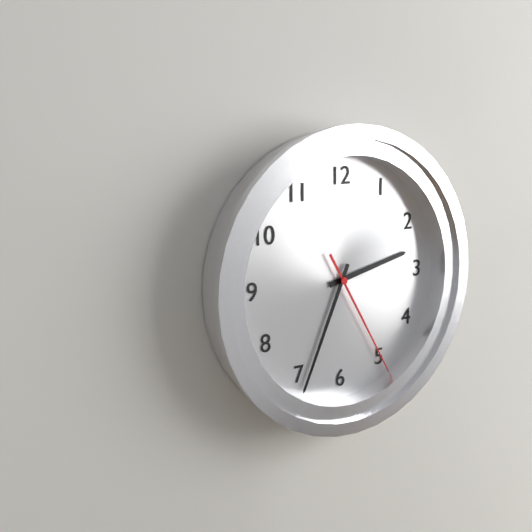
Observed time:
2:34:25
